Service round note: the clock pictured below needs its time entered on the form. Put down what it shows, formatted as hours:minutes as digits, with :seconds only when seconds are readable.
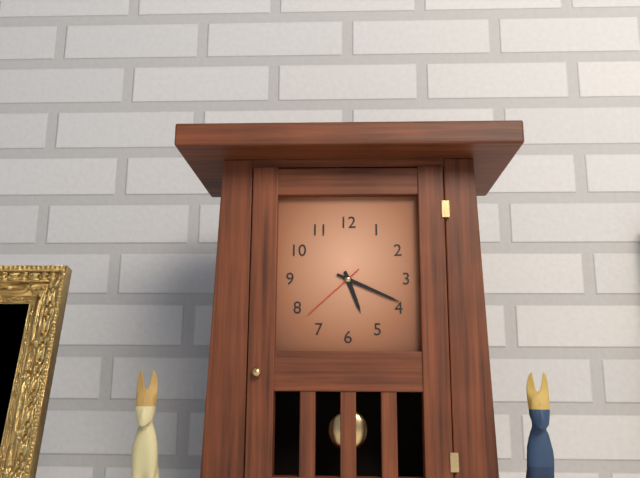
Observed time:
5:19:38
